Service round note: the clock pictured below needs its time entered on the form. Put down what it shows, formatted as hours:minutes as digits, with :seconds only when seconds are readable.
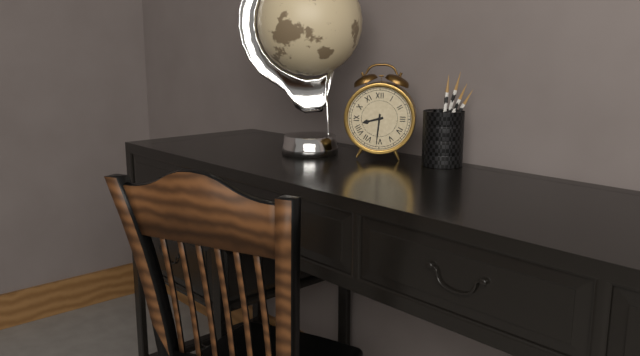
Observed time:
8:31
